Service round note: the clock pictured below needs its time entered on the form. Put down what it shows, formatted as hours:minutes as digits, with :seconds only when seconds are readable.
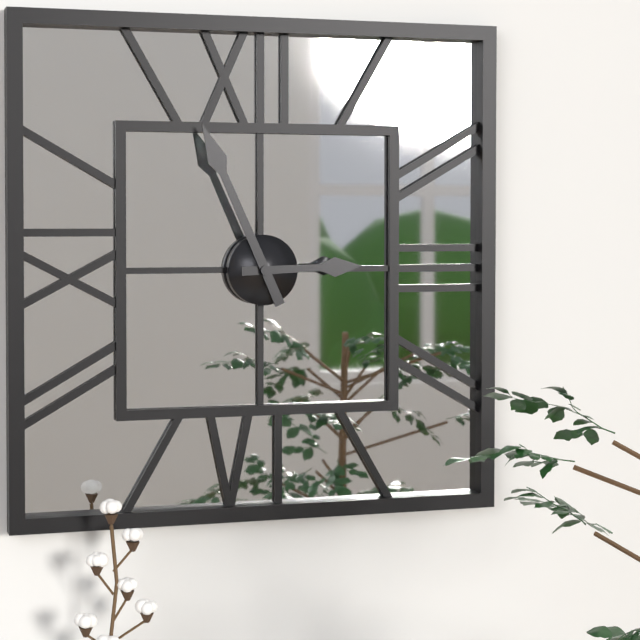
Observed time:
2:56
